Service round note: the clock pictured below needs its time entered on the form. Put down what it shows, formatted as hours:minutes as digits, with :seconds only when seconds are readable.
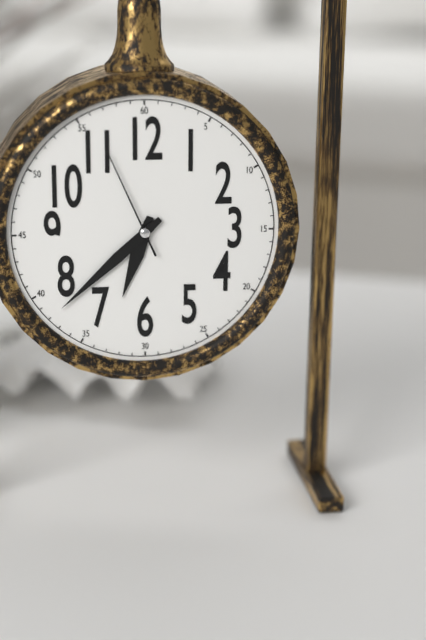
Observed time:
6:38:56
